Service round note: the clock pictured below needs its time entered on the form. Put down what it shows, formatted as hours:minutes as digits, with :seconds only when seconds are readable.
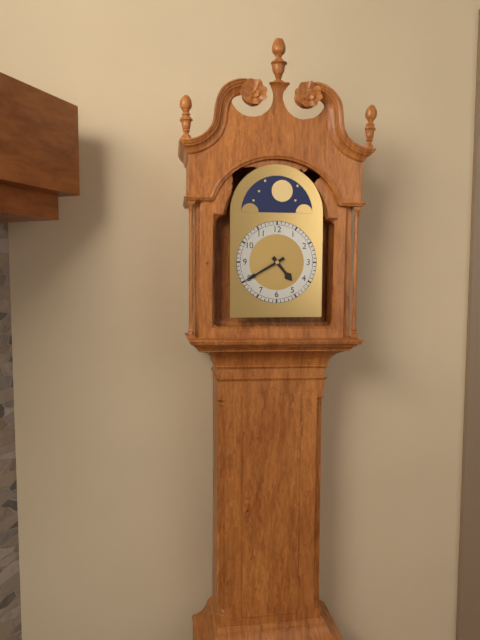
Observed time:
4:40
